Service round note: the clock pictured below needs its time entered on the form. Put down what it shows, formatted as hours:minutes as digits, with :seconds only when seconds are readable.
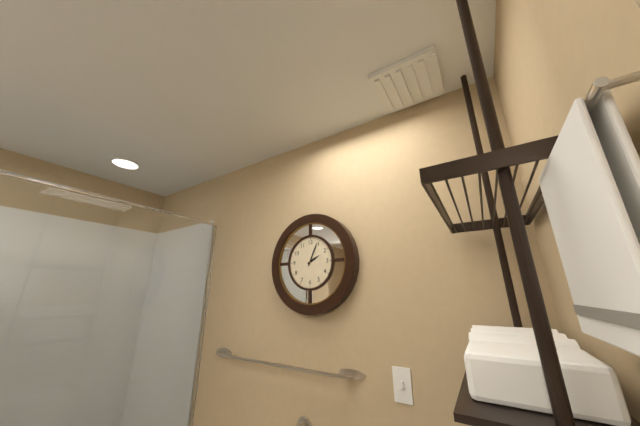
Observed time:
2:04
